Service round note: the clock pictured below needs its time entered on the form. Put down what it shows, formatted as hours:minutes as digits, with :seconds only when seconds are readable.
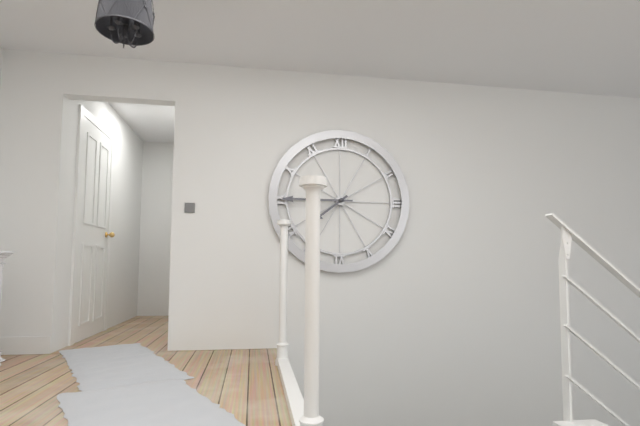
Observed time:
7:45
